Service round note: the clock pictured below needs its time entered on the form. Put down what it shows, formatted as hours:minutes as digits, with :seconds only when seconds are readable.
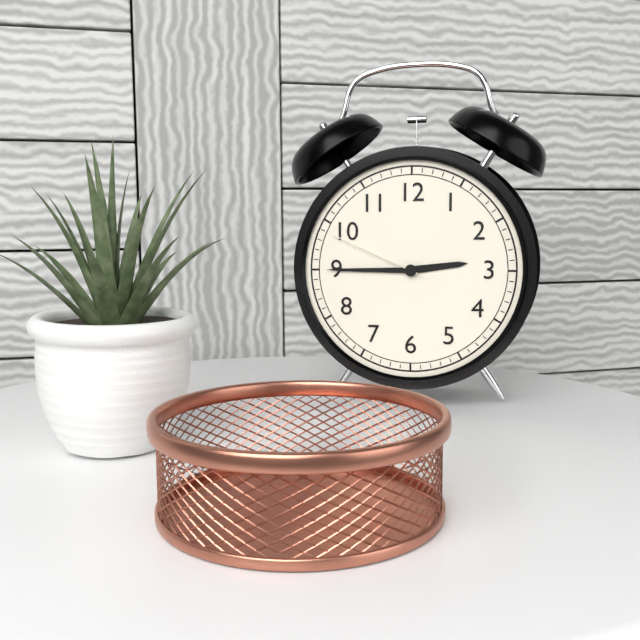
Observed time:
2:45:49
